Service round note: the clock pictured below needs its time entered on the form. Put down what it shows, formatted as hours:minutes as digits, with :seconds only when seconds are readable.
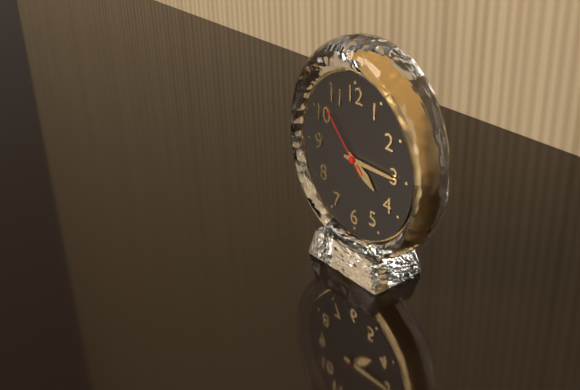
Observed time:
4:15:53
